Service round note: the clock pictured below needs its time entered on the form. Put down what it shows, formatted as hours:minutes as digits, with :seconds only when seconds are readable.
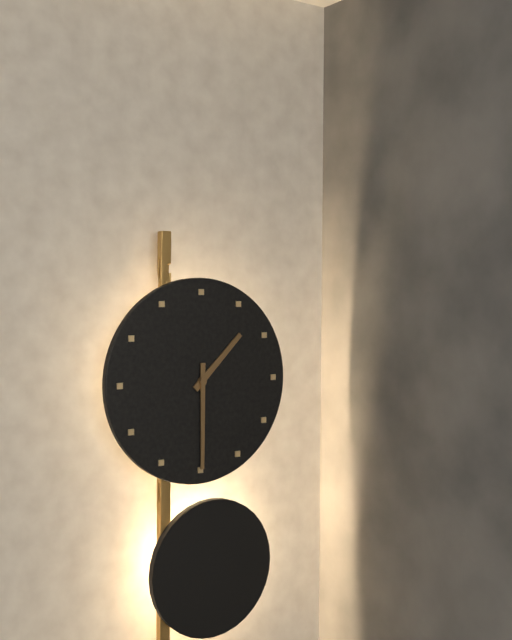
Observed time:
1:30
